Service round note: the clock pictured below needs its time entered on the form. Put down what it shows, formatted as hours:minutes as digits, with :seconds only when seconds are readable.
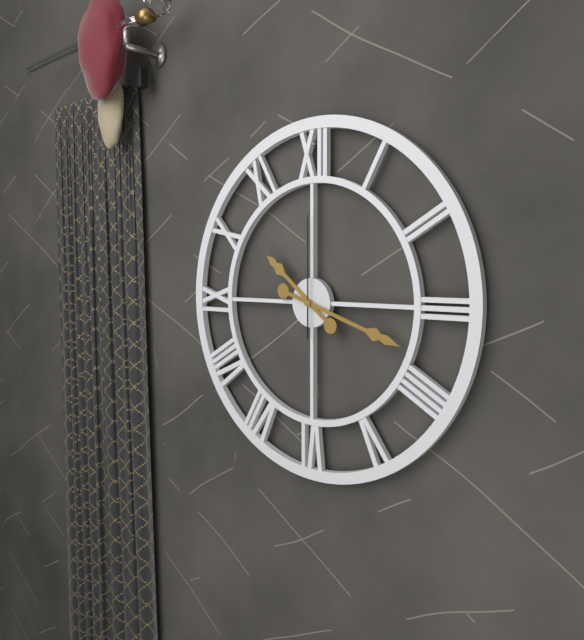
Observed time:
10:18:00
